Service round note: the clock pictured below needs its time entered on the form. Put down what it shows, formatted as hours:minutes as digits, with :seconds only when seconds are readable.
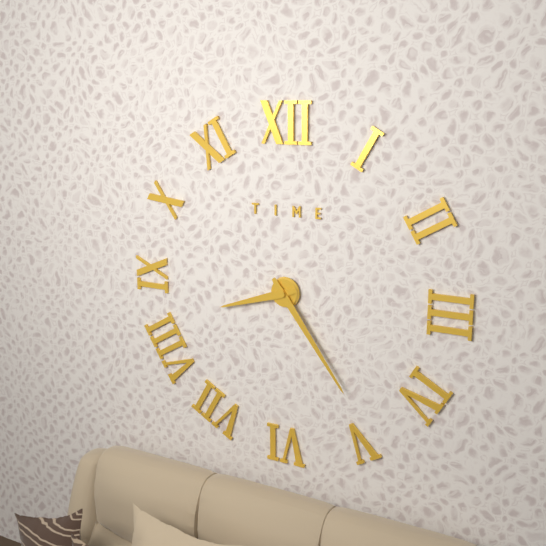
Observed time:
8:24
